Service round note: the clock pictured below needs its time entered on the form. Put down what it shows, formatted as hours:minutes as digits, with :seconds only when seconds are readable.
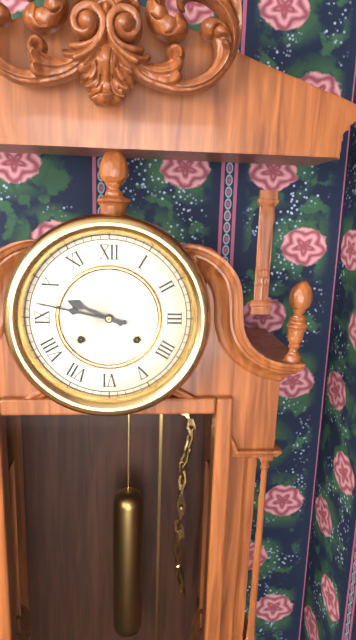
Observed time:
9:47
